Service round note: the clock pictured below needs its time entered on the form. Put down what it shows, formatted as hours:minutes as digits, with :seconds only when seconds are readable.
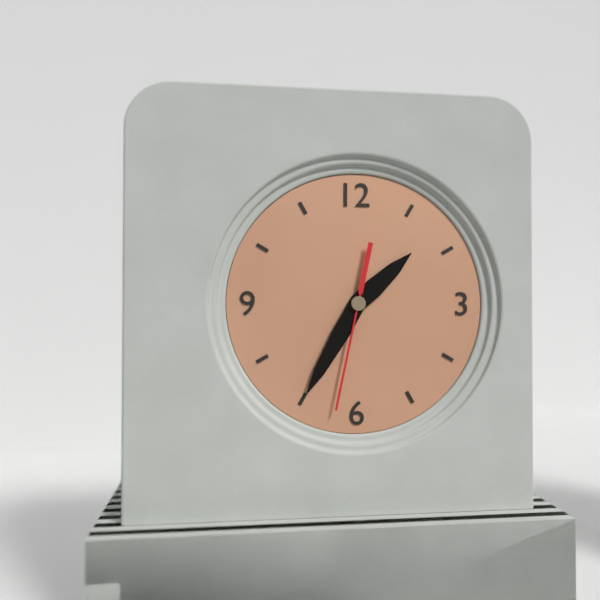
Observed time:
1:35:32
